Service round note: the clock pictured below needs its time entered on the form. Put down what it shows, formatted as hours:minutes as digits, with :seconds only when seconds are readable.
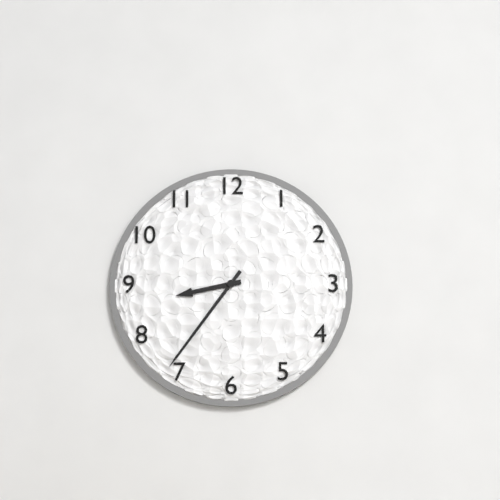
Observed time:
8:36
